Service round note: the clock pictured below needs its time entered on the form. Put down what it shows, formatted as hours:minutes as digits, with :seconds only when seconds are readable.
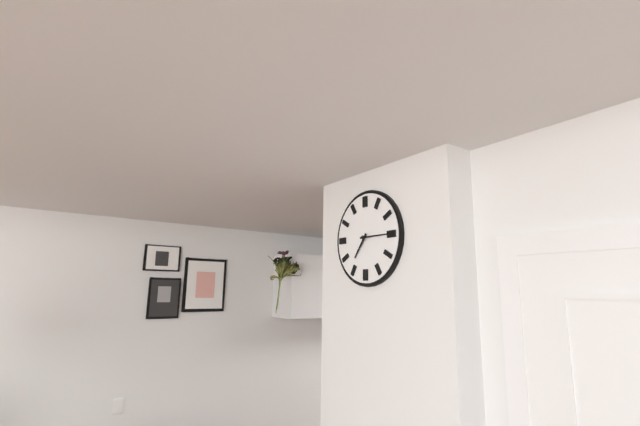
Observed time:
7:15
